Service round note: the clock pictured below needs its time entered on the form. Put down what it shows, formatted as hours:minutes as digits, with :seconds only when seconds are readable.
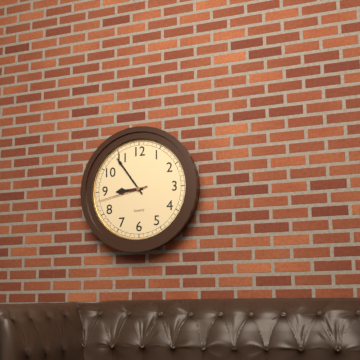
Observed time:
8:54:43
